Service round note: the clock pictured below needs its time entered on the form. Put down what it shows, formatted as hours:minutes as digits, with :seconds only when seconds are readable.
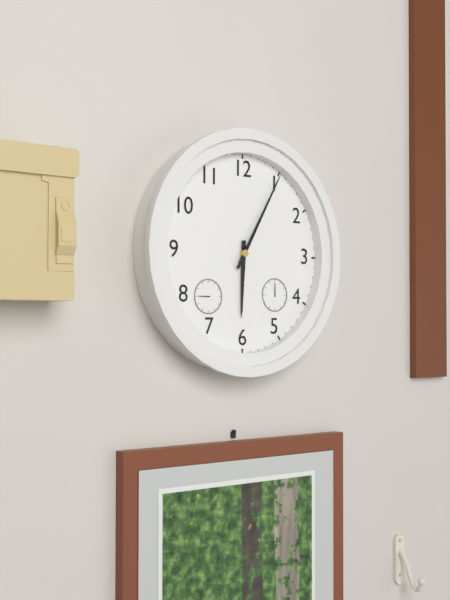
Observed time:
6:05
